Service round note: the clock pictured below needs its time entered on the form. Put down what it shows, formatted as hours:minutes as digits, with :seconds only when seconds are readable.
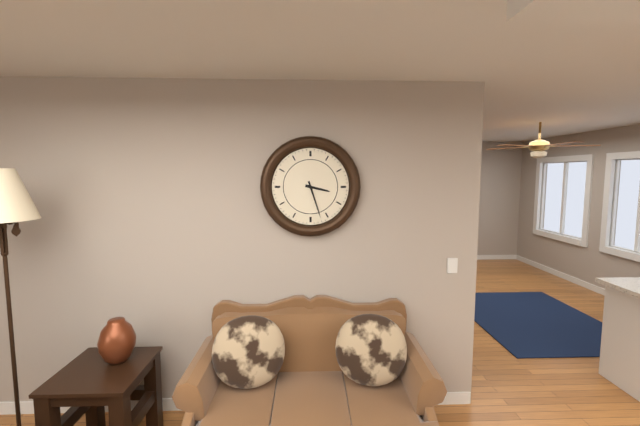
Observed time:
3:27
